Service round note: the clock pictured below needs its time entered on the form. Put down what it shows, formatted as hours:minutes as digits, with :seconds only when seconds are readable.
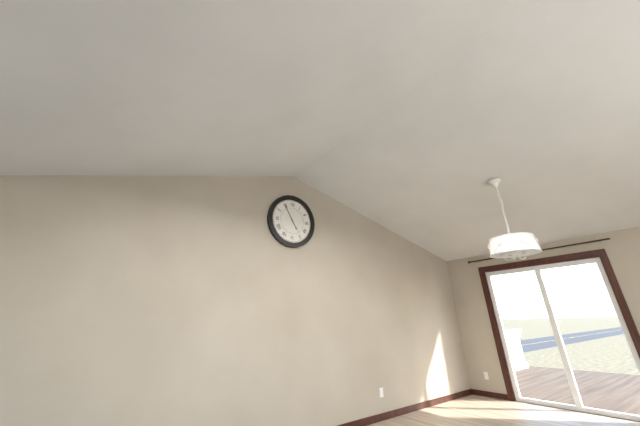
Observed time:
4:55
